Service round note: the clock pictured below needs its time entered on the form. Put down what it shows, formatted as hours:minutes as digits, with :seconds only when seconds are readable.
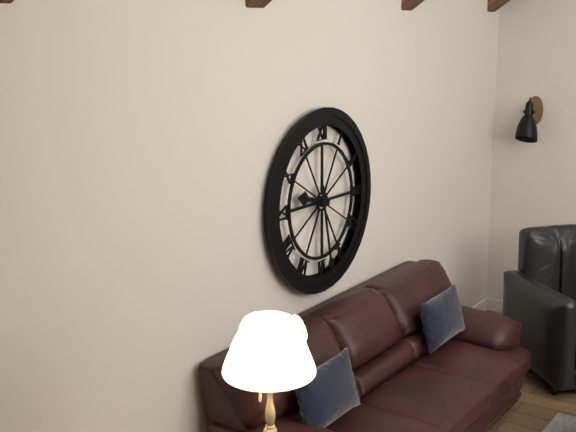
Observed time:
9:28
